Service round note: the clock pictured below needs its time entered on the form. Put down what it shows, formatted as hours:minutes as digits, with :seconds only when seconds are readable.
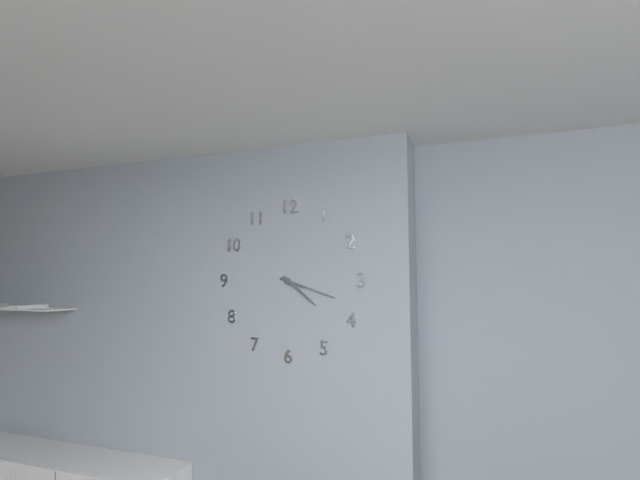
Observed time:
4:18
